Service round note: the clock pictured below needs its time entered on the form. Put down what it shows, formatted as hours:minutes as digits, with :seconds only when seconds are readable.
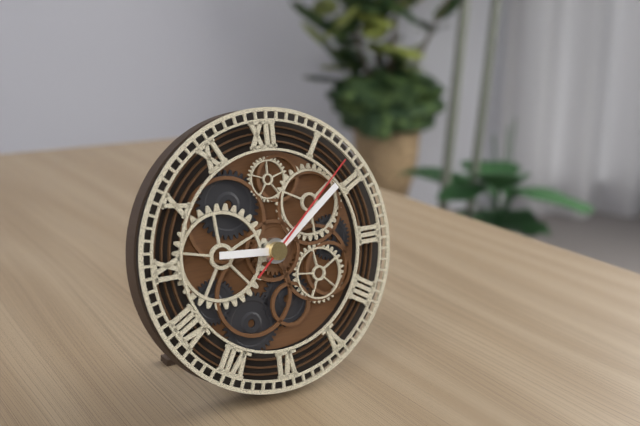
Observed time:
9:09:08
